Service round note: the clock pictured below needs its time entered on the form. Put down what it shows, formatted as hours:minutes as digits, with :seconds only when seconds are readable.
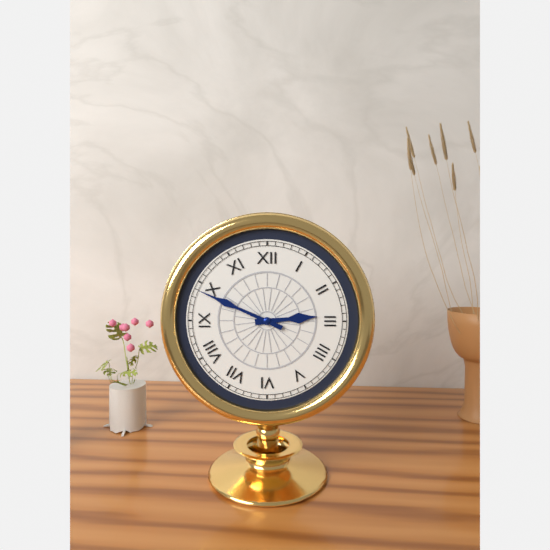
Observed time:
2:49
